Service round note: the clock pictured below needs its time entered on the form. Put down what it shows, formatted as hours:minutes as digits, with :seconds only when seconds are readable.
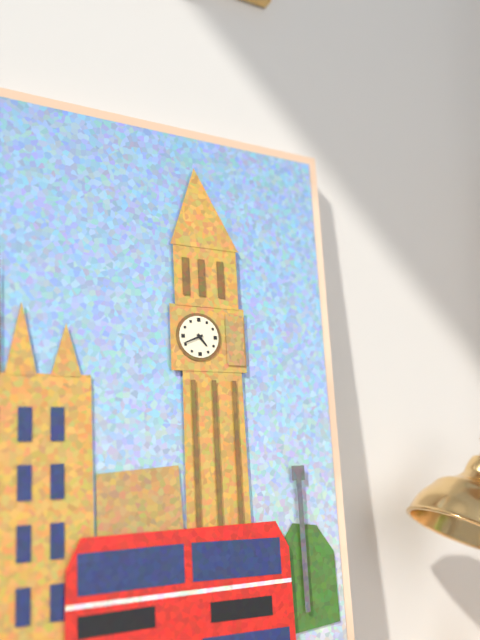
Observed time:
4:41
